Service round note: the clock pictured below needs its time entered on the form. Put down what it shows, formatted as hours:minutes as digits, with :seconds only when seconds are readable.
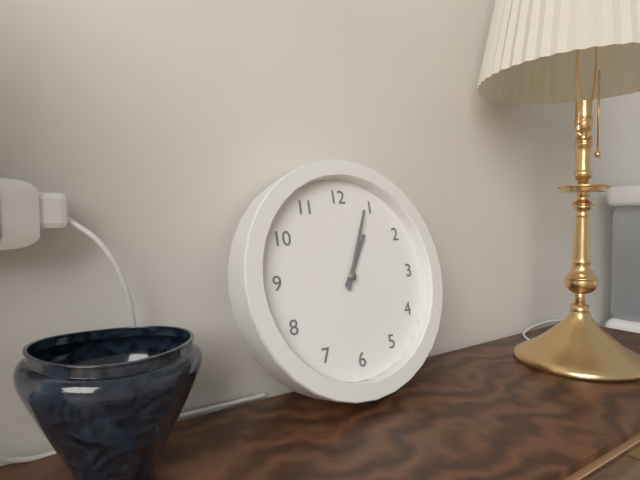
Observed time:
1:04
